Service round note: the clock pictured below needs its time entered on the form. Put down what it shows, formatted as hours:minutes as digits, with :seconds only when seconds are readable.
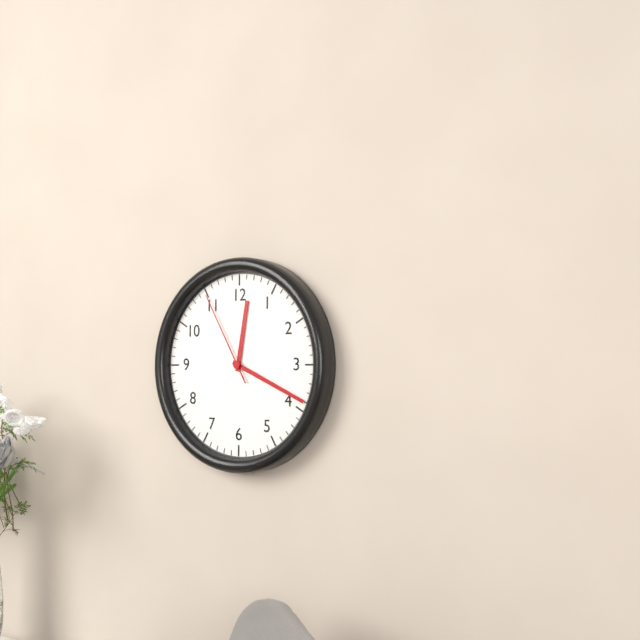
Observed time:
12:19:55
